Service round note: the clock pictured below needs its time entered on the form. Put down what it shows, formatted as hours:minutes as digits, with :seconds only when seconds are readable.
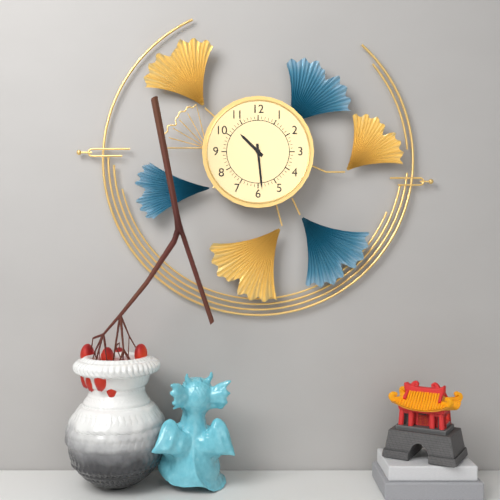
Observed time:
10:29
